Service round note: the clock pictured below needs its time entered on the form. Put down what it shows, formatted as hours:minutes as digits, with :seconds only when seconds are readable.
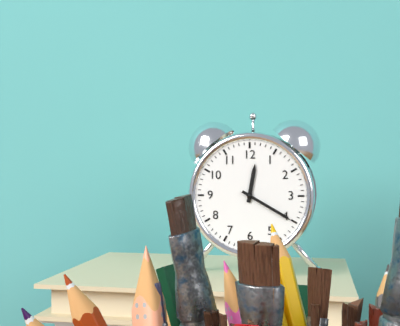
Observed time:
12:20
